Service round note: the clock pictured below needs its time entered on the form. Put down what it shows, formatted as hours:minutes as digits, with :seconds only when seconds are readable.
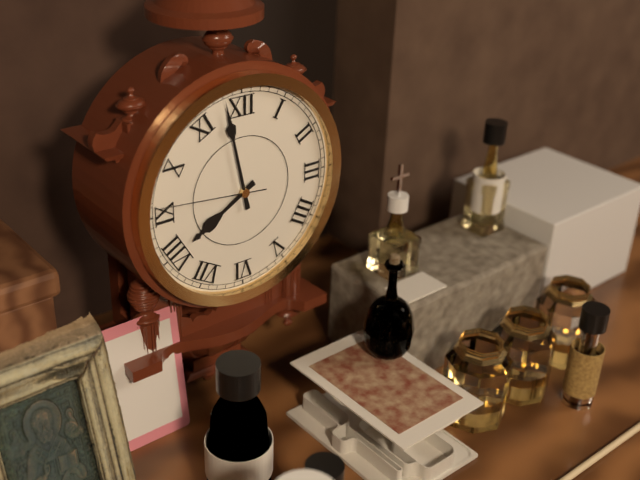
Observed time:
7:58:46
